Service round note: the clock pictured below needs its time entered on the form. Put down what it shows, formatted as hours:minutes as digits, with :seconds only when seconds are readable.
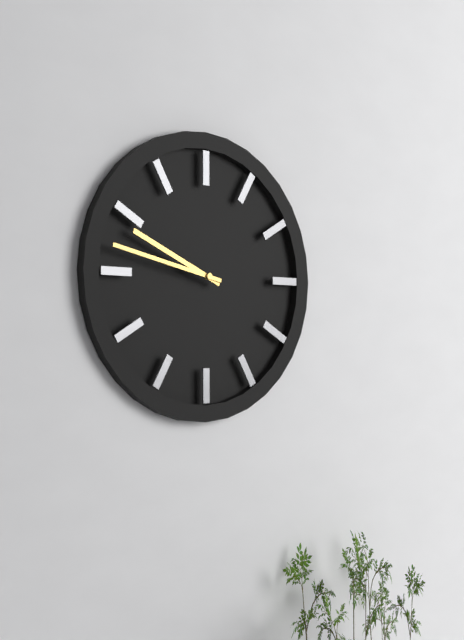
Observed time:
9:47
